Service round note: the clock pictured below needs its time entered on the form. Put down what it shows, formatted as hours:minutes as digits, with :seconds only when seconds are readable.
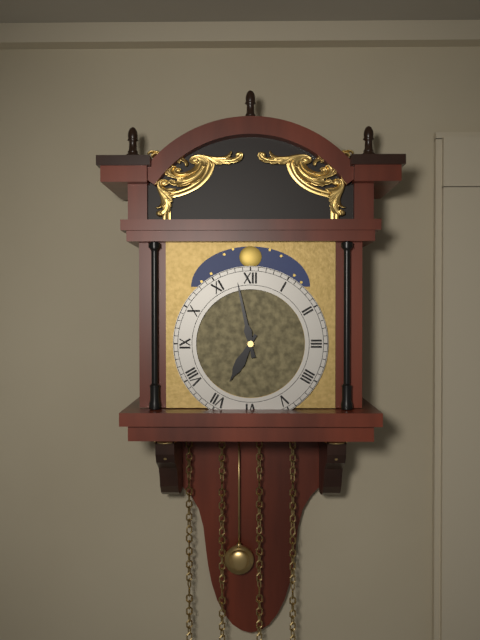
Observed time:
6:58
